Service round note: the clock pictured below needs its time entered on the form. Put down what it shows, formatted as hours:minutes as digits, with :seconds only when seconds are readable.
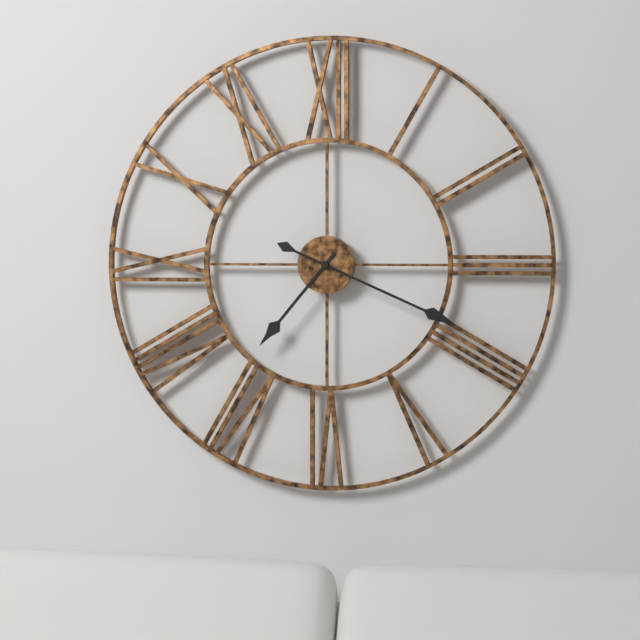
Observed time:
7:19
